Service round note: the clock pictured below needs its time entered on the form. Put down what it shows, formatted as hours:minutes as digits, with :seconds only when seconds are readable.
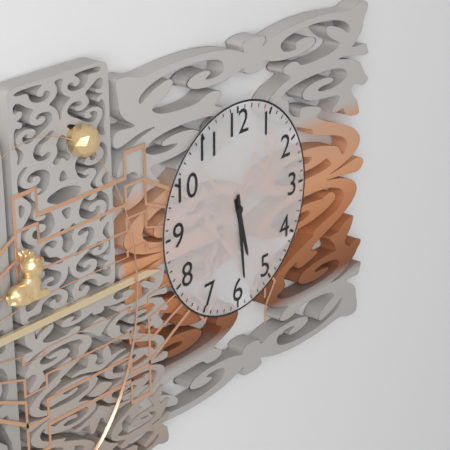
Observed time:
5:29
